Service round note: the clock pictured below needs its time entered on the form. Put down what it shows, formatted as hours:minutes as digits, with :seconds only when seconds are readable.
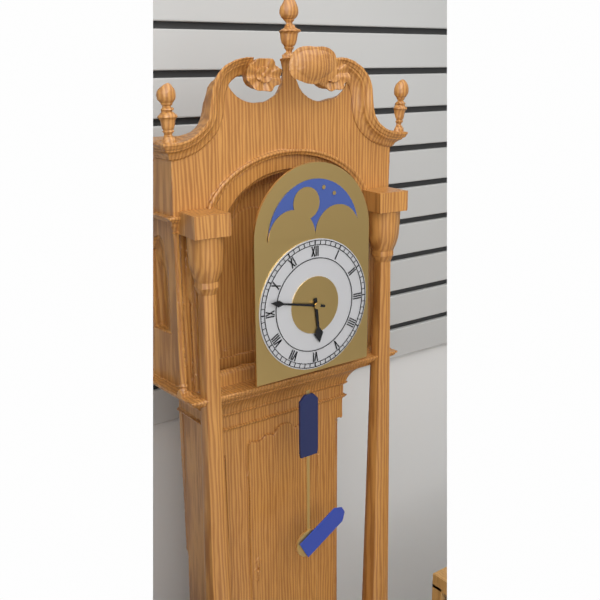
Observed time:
5:47
